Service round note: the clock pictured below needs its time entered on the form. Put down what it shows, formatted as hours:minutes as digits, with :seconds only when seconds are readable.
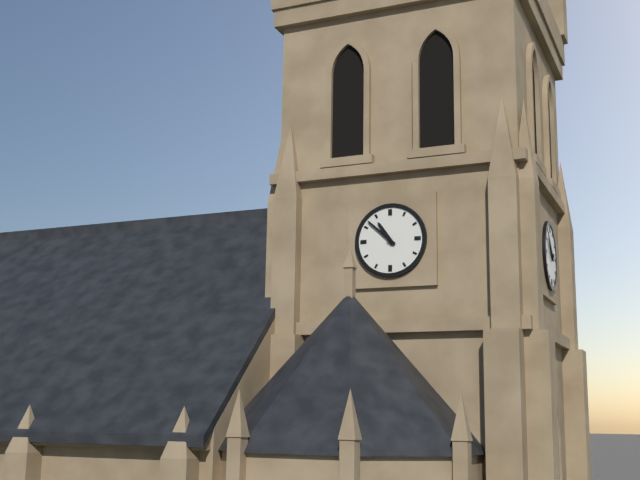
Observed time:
10:52
